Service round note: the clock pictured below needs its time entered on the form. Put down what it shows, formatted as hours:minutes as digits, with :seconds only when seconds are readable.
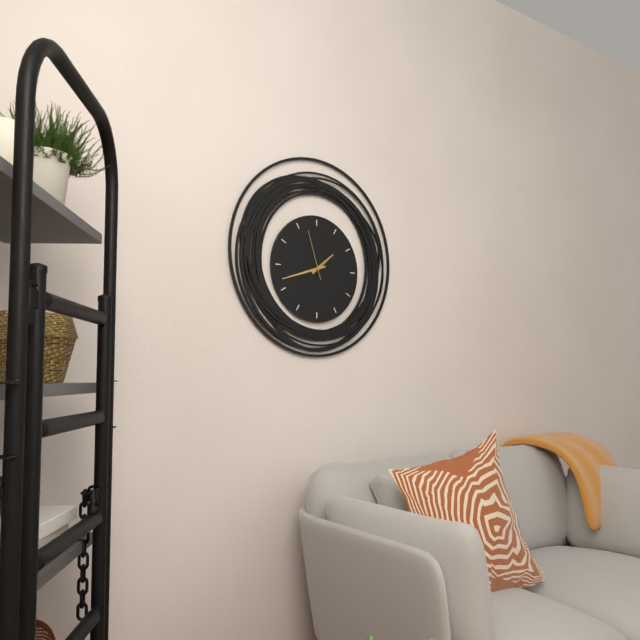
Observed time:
1:42
